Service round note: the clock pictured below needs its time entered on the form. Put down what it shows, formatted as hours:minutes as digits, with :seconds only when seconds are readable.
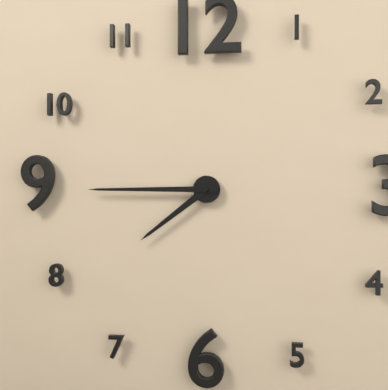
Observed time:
7:45
